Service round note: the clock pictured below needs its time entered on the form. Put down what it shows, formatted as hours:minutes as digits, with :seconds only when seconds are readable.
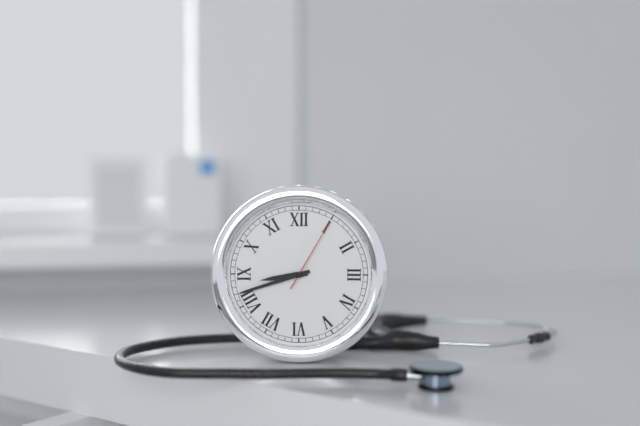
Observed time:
8:42:05
